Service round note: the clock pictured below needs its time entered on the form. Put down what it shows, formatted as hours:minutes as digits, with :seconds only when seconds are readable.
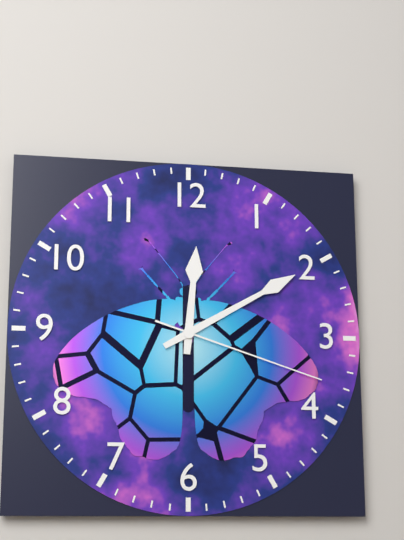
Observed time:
12:10:18
